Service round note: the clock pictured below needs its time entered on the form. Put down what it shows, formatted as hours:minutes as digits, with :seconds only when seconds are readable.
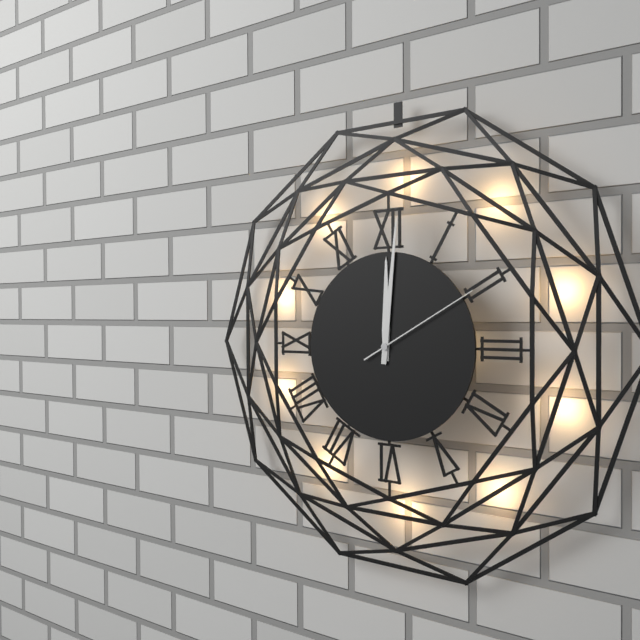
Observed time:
12:01:10
